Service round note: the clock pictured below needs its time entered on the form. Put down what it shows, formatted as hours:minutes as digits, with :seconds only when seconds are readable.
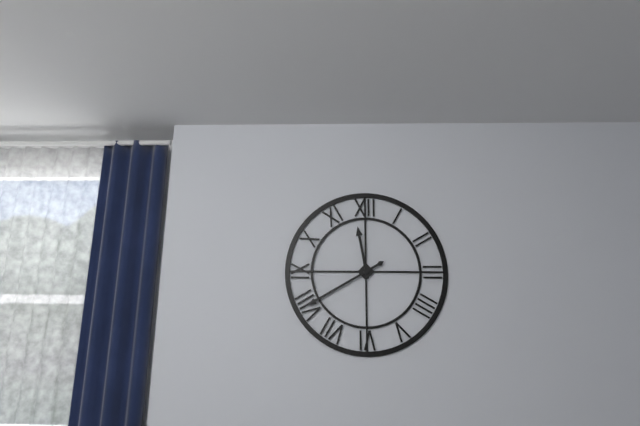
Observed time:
11:40
